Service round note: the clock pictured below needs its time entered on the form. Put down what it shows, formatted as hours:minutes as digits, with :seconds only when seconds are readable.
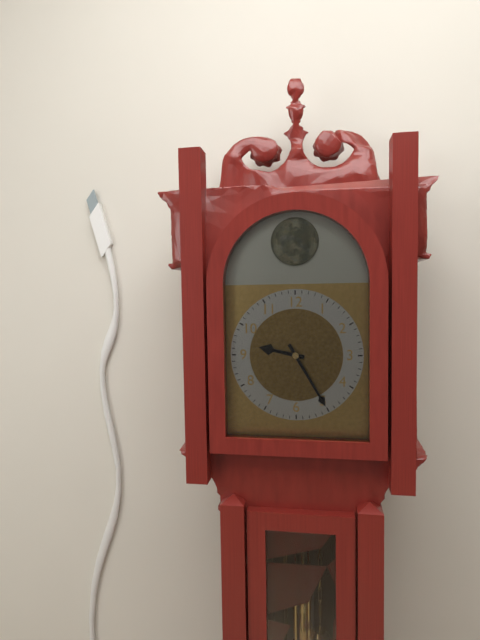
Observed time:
9:25
